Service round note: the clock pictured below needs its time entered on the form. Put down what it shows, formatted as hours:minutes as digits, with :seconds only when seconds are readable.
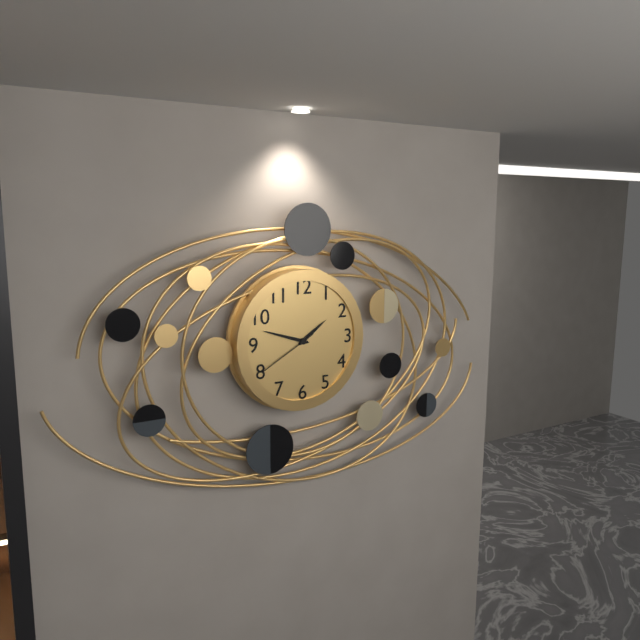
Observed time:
1:48:40
